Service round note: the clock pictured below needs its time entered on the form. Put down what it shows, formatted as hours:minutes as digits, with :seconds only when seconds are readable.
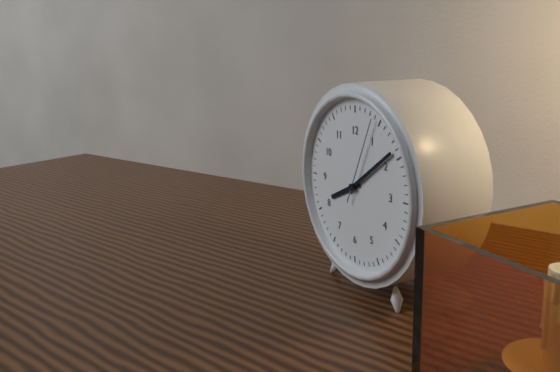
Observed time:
8:09:04
